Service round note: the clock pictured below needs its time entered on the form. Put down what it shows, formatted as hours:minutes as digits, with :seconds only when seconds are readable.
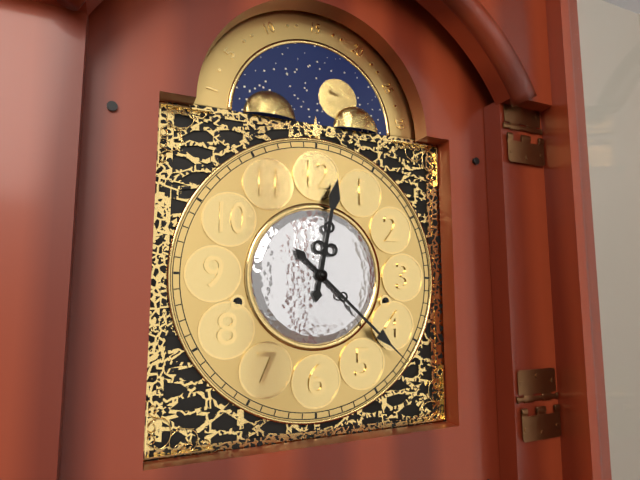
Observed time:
12:22
